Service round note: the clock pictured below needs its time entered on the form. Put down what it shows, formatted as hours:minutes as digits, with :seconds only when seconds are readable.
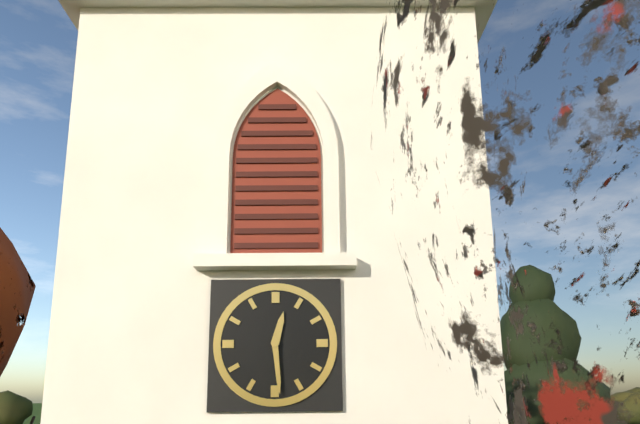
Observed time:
12:29
